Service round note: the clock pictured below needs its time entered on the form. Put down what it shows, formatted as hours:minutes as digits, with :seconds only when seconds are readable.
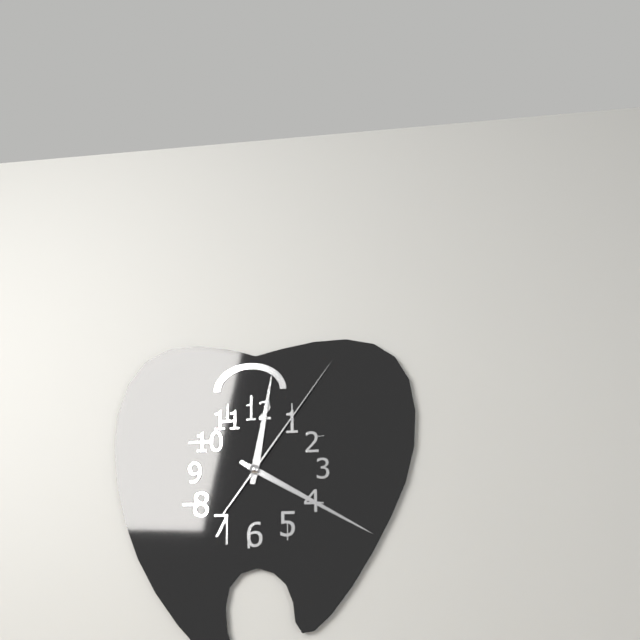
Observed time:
12:20:06
